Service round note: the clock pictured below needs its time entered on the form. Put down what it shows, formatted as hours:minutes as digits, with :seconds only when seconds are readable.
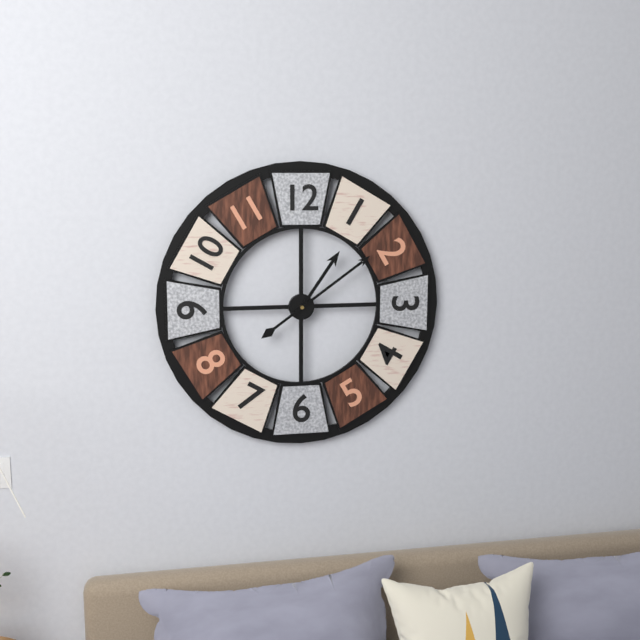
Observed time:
1:09
